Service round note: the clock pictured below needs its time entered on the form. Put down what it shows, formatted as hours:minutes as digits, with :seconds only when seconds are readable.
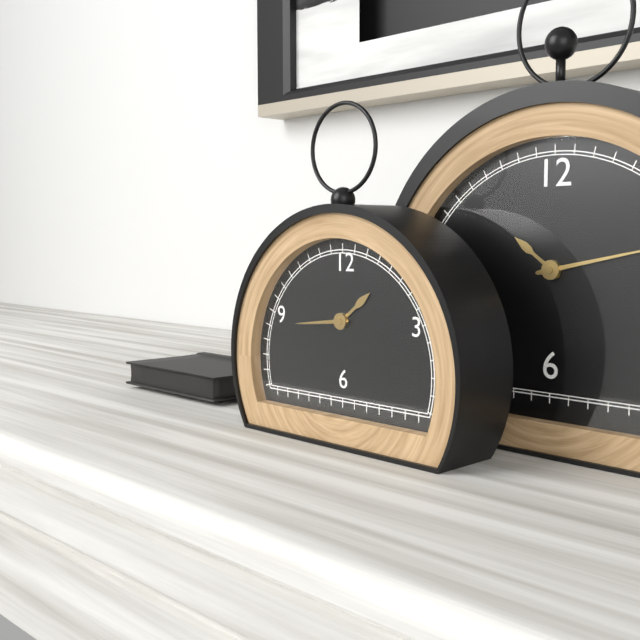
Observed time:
1:44
